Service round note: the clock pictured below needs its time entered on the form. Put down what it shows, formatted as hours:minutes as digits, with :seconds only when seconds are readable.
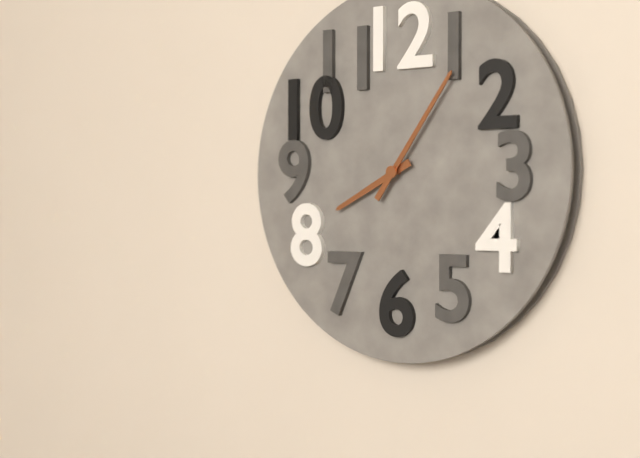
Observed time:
8:06
